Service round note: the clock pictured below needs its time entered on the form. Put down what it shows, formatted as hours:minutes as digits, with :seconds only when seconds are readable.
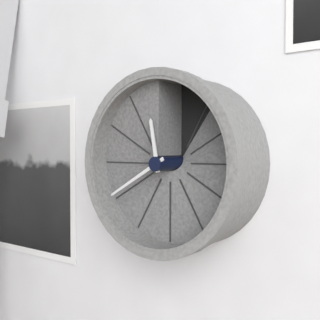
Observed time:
11:40
